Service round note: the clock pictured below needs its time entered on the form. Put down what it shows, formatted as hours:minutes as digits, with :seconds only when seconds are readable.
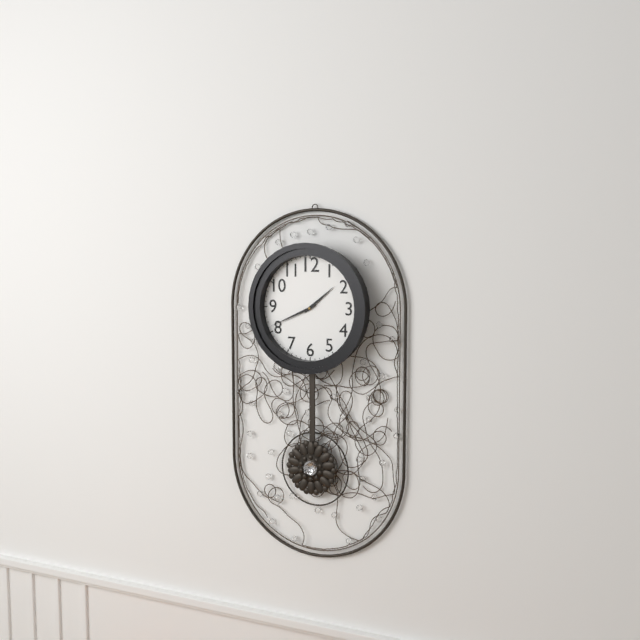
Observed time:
1:41
